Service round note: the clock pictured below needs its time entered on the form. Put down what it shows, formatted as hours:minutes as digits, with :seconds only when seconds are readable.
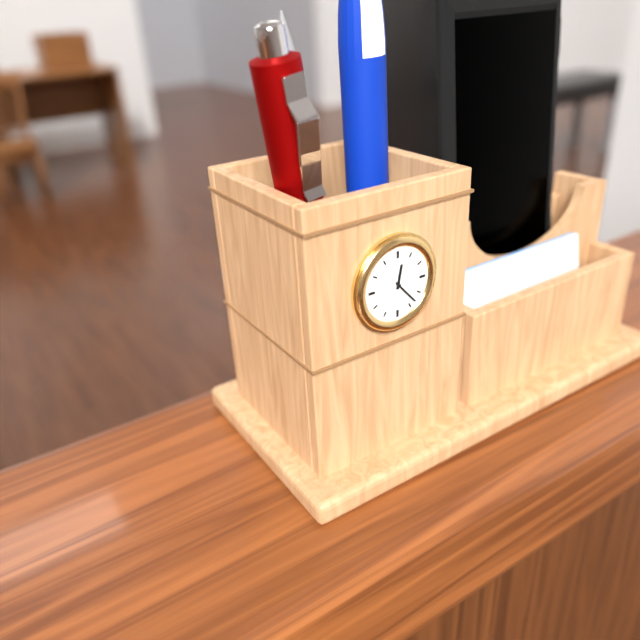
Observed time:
12:23
